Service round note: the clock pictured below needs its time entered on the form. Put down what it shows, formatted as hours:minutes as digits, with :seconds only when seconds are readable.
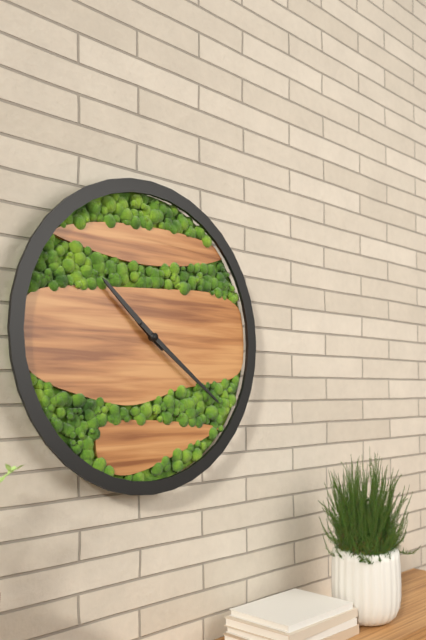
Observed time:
10:21
